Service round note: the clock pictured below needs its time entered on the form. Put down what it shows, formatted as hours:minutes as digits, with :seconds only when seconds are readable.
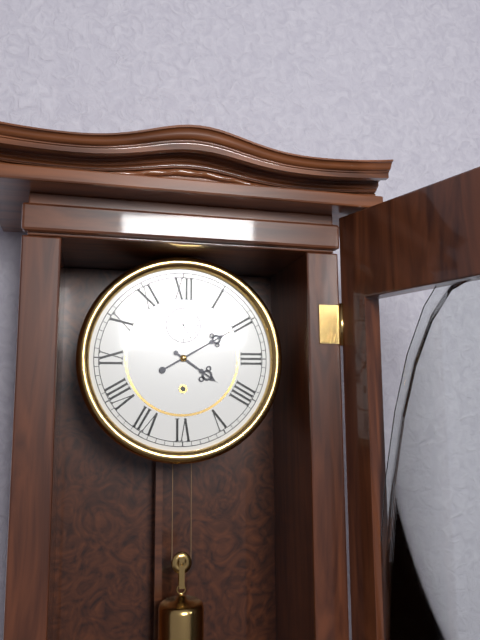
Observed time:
4:10
